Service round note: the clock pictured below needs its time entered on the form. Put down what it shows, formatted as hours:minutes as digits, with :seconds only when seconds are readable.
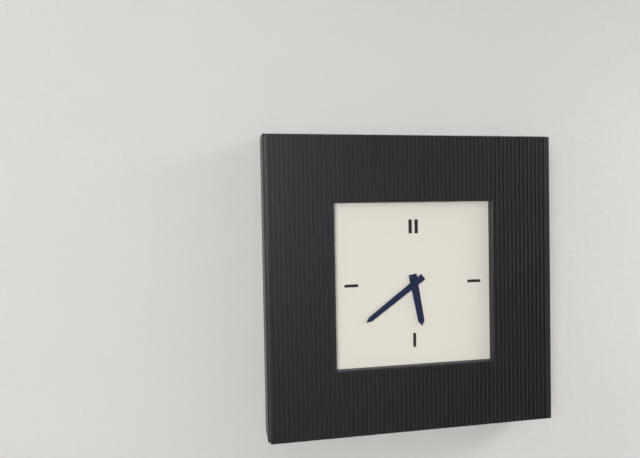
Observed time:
5:39
